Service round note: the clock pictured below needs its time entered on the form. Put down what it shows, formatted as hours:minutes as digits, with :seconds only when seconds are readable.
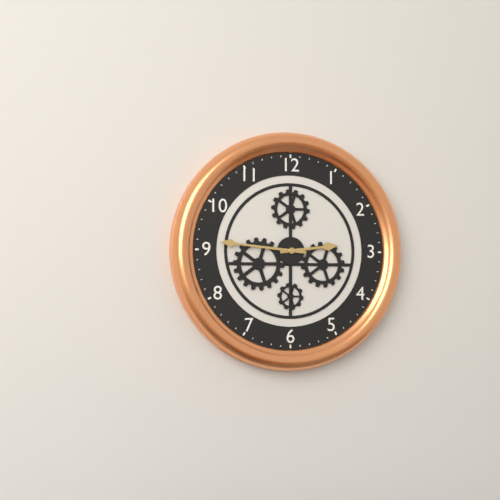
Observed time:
2:46
